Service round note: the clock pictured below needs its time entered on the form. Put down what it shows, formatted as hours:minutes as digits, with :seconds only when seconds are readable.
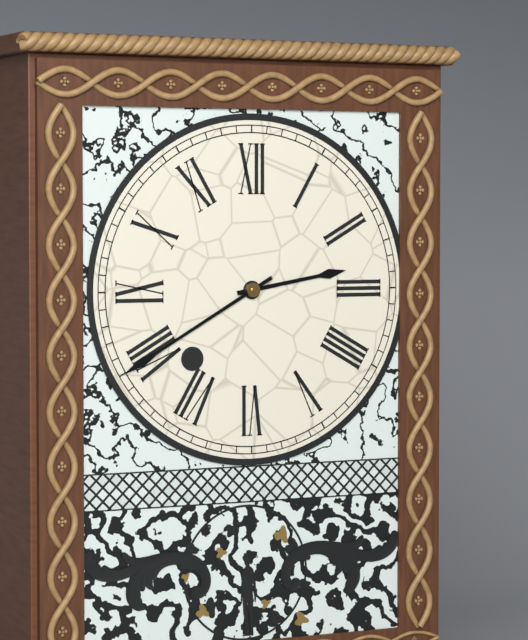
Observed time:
2:40
